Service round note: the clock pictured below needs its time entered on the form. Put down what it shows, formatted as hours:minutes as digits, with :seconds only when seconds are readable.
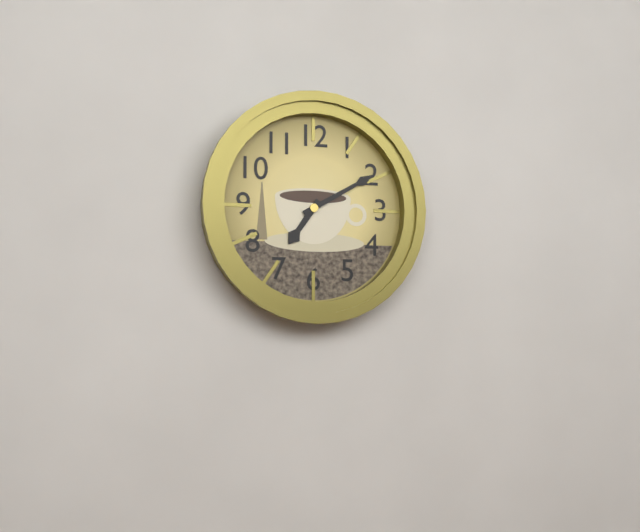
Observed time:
7:10
